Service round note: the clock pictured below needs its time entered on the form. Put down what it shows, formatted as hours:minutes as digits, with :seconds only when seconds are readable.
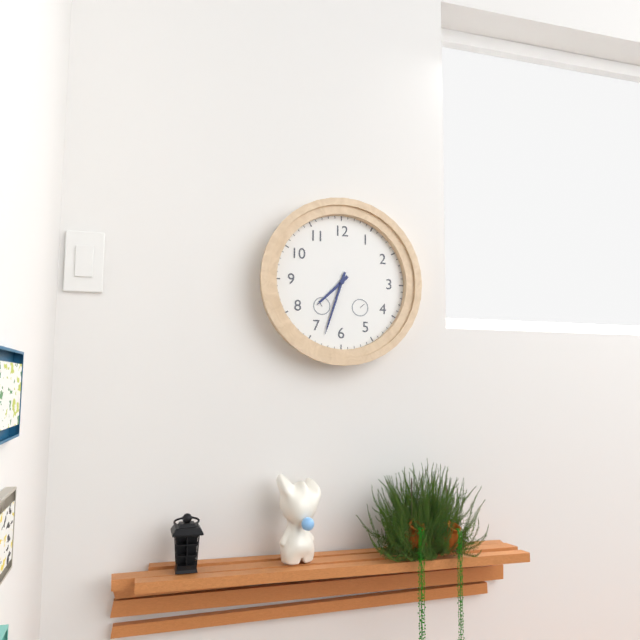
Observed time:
7:33
